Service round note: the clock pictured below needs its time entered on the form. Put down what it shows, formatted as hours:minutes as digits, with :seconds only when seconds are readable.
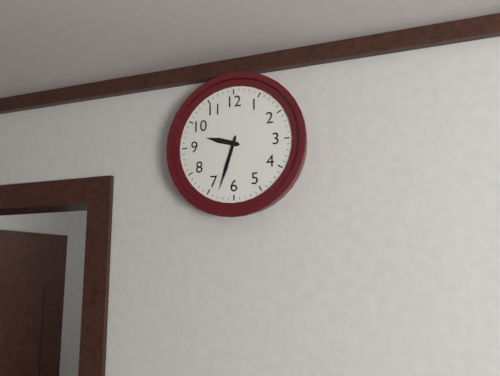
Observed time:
9:33
